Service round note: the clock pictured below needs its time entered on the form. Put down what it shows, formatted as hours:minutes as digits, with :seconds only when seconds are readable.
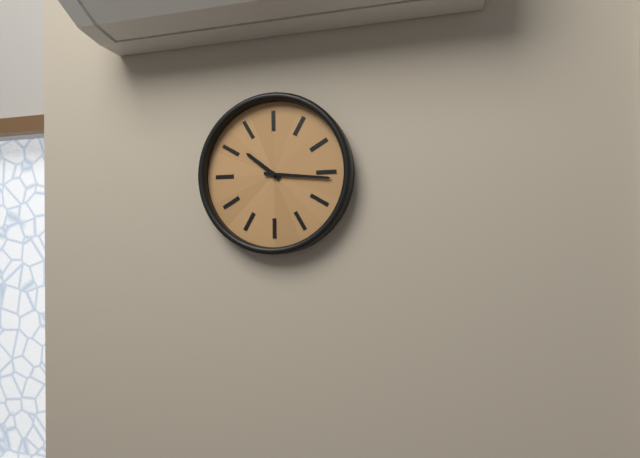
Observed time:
10:16
